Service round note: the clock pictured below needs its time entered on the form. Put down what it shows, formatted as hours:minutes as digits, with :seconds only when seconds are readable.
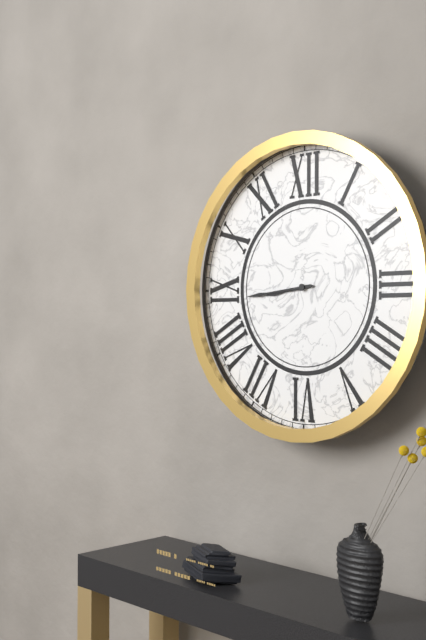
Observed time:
8:44
